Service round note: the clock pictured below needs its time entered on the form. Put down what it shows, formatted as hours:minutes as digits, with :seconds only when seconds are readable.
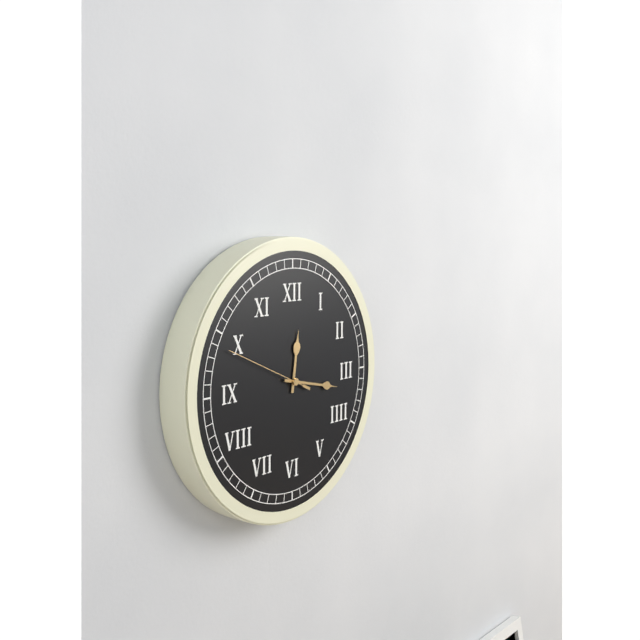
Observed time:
12:17:49
